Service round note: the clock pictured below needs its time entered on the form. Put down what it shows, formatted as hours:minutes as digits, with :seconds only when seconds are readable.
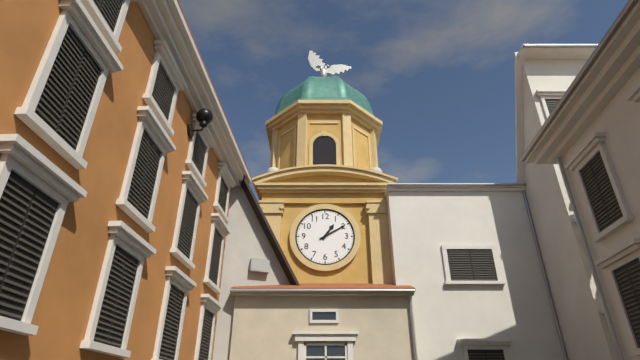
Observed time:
1:10
